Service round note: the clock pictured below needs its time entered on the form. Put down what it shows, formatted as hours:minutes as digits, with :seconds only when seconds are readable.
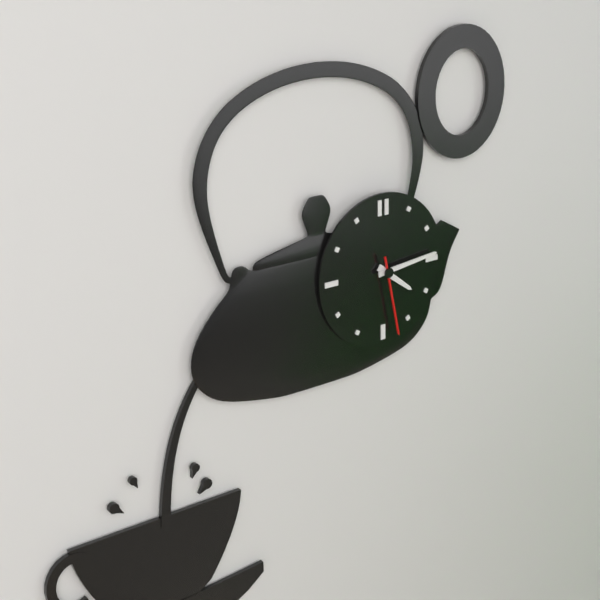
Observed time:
4:14:28
